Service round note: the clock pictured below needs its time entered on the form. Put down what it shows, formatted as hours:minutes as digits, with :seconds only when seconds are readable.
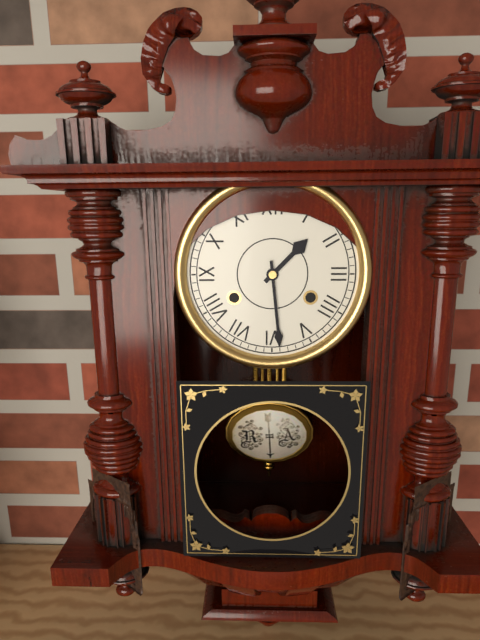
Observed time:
1:29
